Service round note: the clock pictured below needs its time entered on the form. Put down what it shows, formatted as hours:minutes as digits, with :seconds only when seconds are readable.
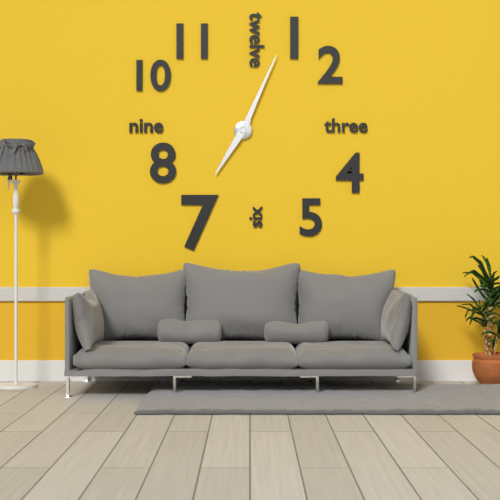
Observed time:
7:04
